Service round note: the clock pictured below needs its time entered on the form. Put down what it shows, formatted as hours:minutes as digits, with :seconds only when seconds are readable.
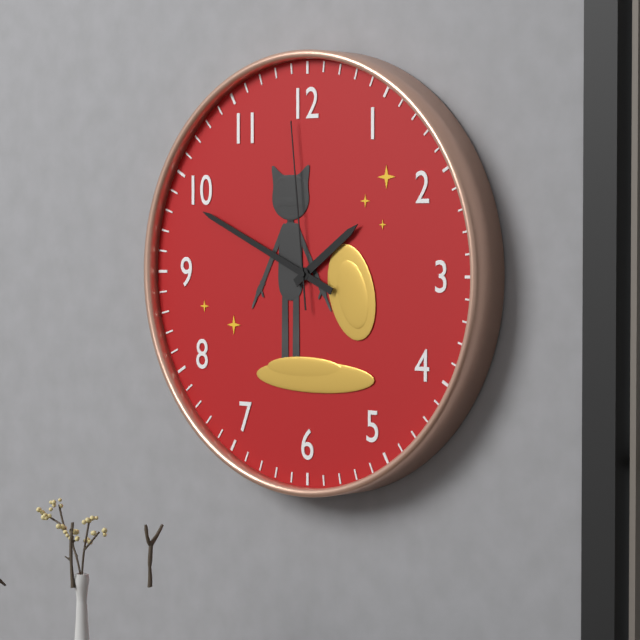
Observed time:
1:49:59
